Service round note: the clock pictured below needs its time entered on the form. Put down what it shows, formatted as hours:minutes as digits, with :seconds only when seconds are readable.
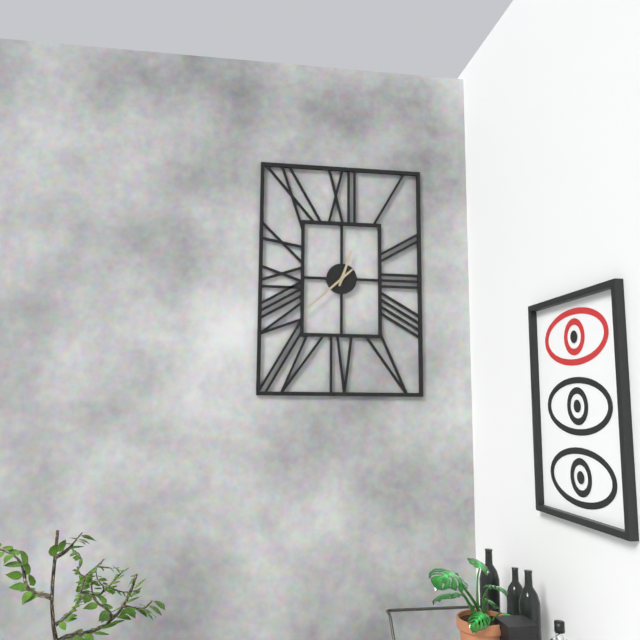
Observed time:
12:38
